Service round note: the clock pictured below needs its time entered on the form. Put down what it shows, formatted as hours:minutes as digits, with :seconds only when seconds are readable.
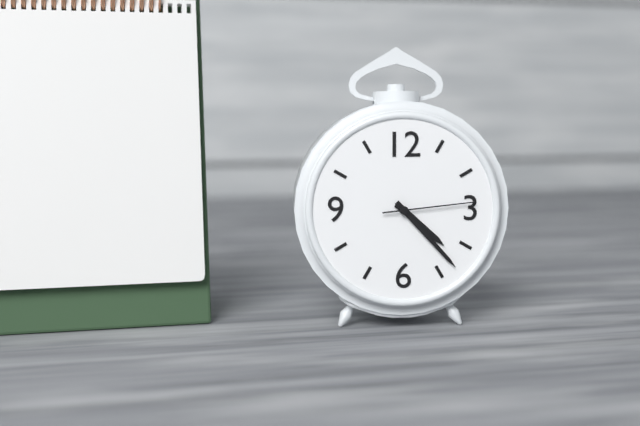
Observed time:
4:23:14
